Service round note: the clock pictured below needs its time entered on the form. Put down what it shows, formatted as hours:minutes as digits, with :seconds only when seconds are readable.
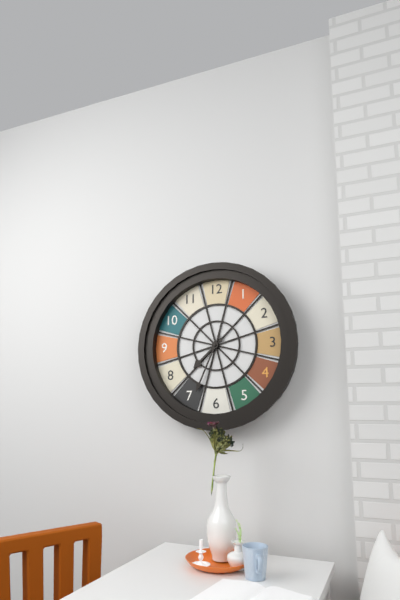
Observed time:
7:34
